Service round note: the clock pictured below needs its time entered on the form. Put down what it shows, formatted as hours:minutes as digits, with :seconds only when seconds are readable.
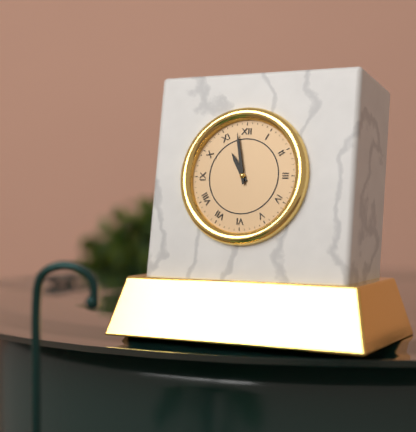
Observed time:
10:58
